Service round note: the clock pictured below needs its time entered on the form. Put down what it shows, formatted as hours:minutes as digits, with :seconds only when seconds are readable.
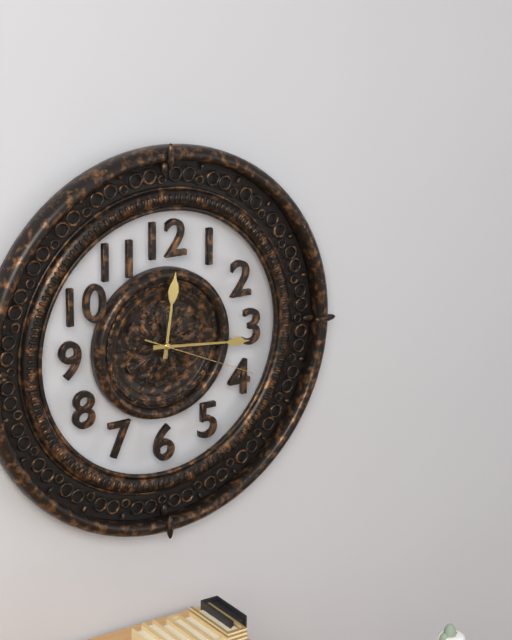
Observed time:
12:16:19
